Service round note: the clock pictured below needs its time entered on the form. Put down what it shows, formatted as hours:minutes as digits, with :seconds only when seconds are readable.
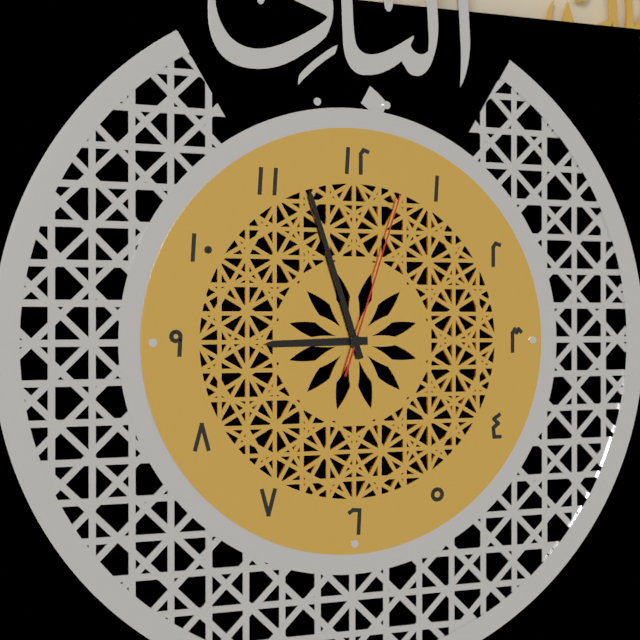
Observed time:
8:57:03
